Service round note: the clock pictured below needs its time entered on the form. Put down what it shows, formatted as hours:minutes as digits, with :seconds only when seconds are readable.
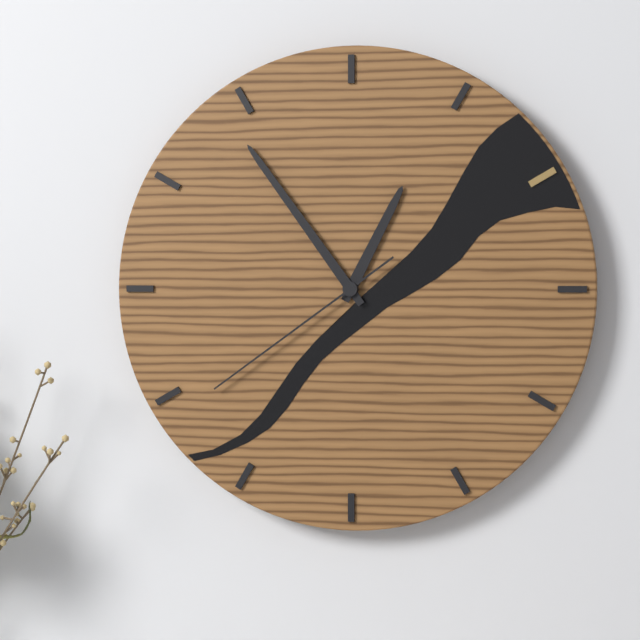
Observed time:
12:54:39
